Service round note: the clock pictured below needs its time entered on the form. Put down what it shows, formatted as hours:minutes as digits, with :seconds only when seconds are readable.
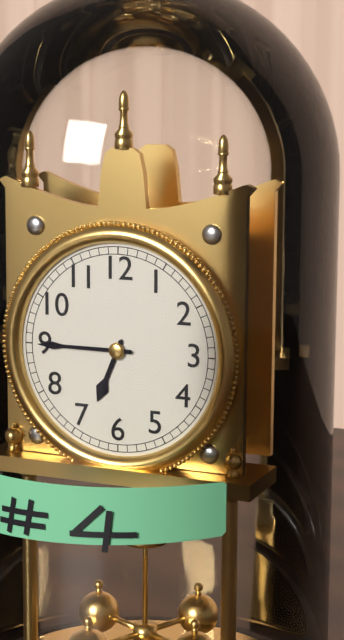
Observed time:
6:45
